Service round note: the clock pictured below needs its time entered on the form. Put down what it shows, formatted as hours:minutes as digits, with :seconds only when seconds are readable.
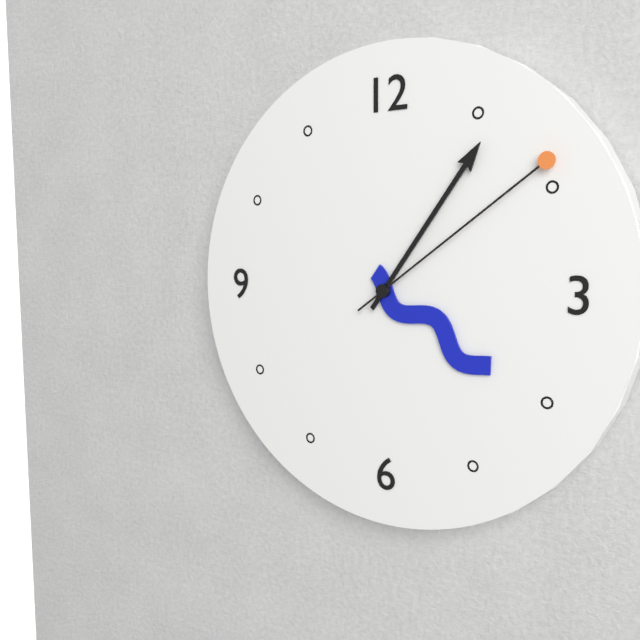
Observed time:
4:06:09
